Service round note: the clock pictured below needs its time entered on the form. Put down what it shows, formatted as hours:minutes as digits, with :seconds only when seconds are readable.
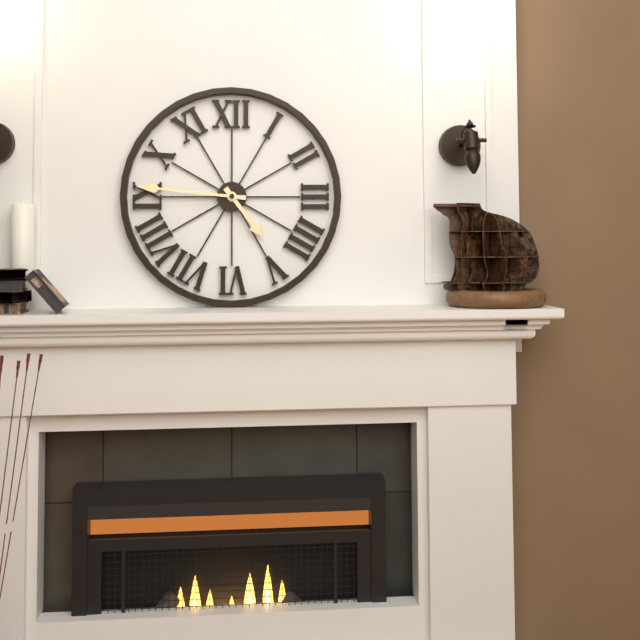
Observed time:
4:46
